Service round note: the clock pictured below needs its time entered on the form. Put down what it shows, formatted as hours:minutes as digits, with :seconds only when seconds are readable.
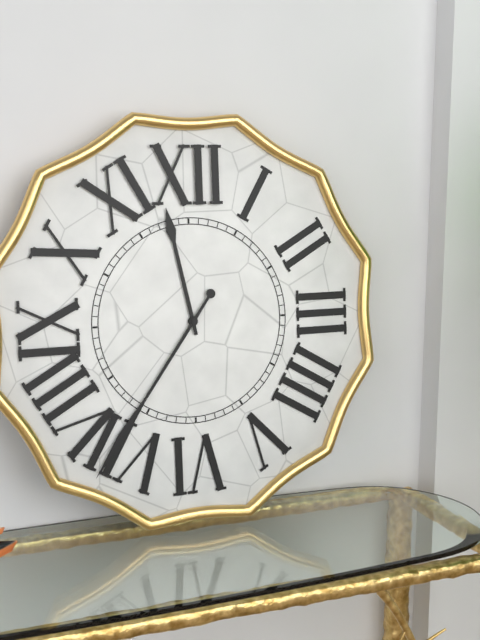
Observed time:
11:36
